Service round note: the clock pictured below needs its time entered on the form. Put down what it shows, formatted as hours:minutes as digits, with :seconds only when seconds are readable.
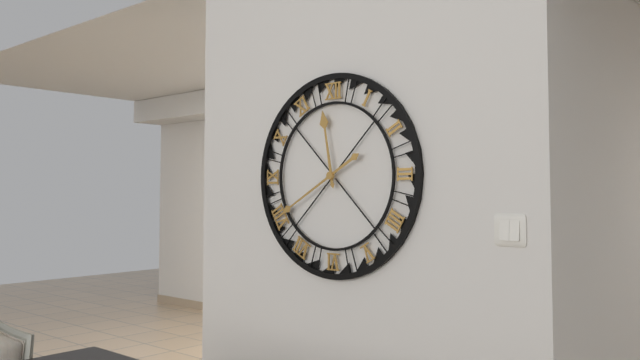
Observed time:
11:40
